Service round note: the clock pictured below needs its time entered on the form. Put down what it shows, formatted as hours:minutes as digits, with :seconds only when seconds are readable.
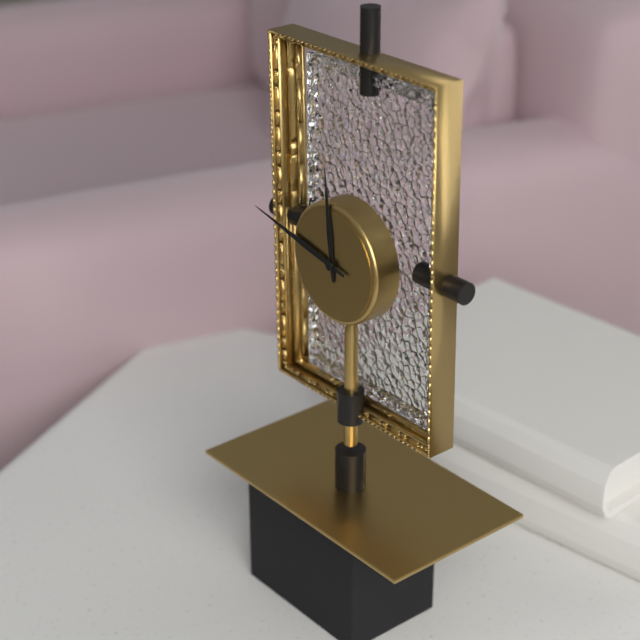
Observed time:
11:47
